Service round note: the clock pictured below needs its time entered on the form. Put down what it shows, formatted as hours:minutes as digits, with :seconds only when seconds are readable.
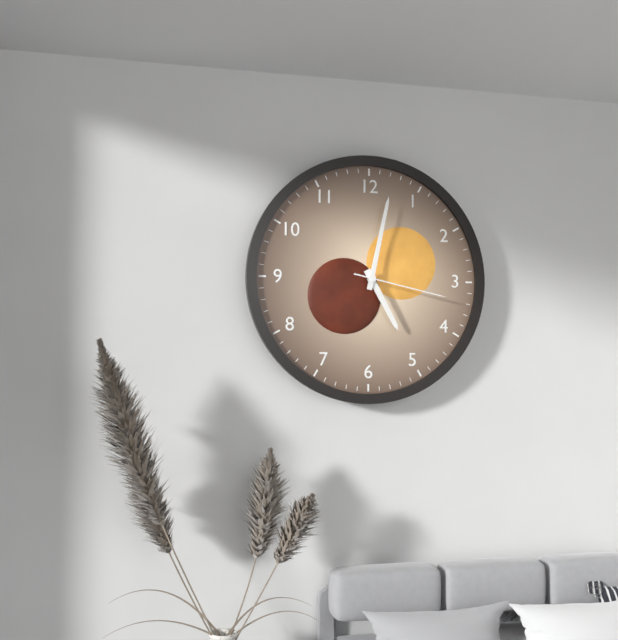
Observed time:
5:02:17
